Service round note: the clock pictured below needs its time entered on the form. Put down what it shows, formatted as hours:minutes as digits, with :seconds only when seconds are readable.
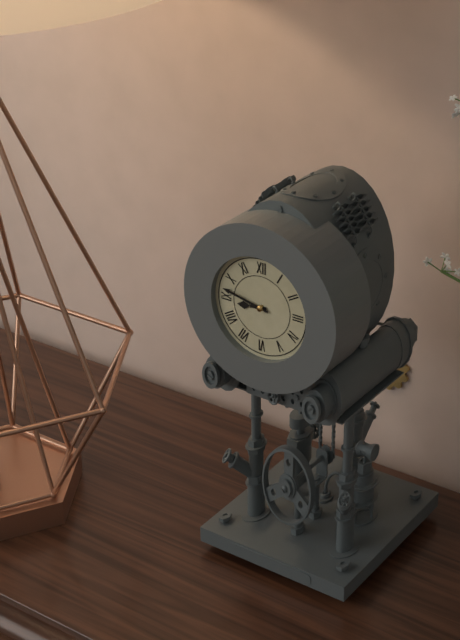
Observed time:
8:47
